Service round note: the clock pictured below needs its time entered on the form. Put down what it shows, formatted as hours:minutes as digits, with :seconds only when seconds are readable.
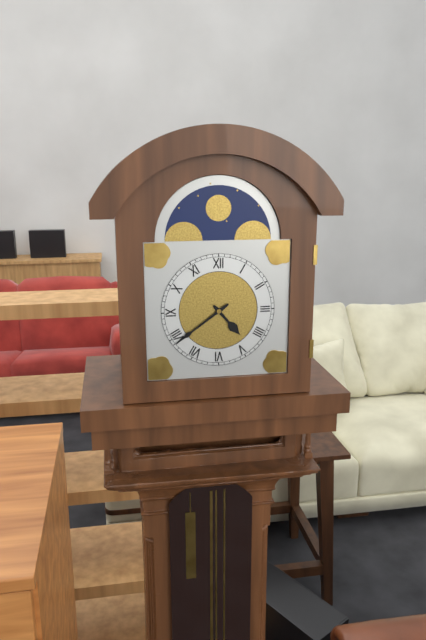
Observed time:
4:39
